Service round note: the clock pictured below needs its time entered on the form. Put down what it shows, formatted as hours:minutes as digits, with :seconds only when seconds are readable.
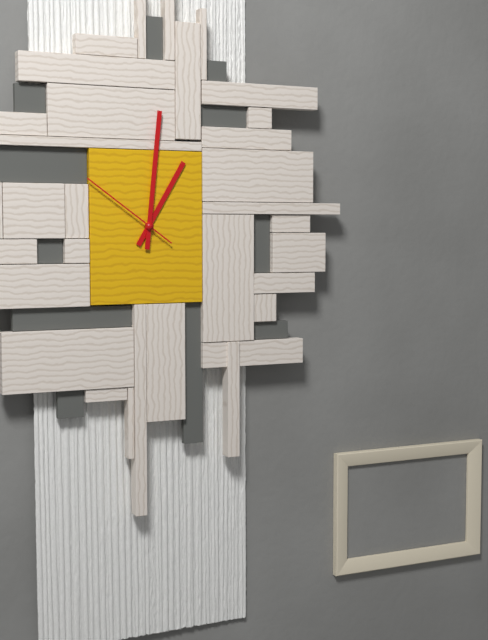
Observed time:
1:01:51
